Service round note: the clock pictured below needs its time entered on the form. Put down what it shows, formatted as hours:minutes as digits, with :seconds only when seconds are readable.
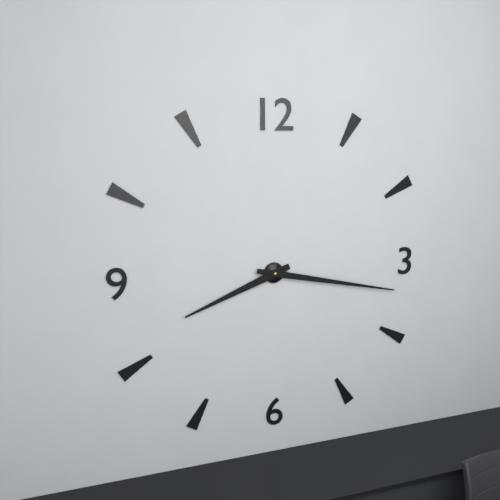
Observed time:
8:17
